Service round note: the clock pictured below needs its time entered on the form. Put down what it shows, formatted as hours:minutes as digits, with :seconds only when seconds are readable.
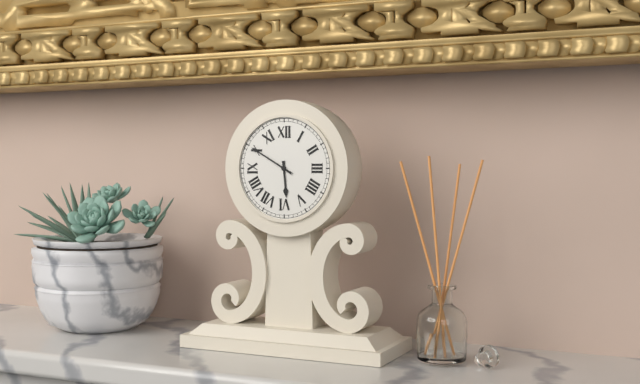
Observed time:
5:50
